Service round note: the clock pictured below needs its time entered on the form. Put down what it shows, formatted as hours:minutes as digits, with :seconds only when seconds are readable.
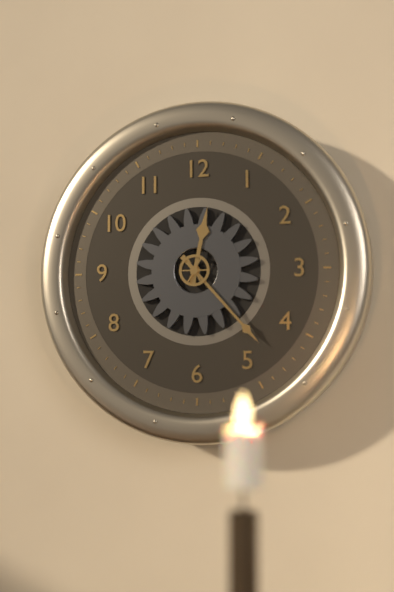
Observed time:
12:23
